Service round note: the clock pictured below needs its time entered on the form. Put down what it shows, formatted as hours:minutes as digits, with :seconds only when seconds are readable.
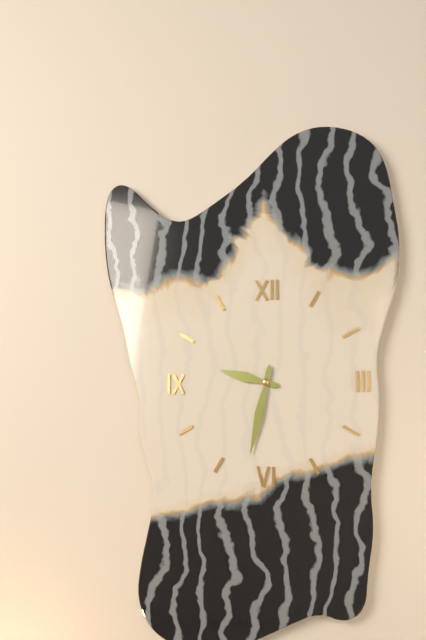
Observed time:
9:32
